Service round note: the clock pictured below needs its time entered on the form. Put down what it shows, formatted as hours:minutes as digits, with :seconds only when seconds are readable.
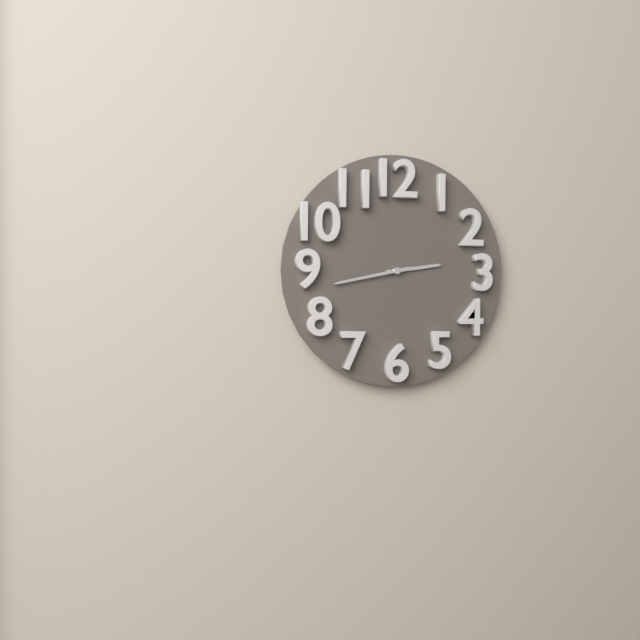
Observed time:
2:43
